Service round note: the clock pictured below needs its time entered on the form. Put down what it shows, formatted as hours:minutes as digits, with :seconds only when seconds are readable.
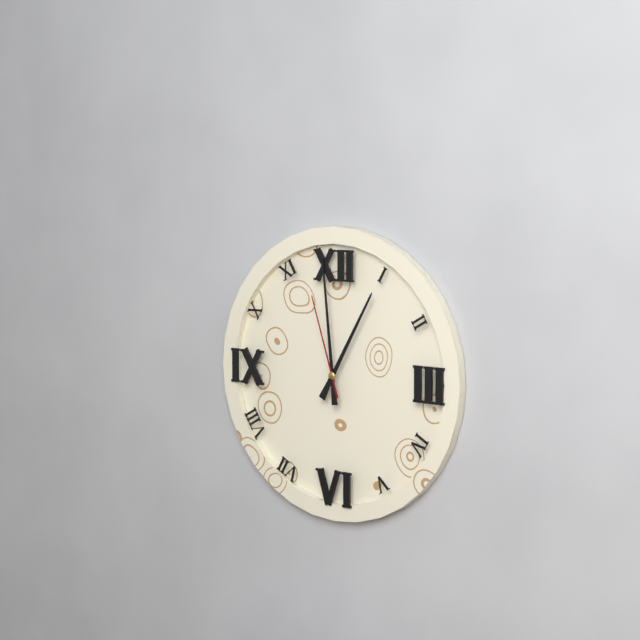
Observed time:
12:59:57
